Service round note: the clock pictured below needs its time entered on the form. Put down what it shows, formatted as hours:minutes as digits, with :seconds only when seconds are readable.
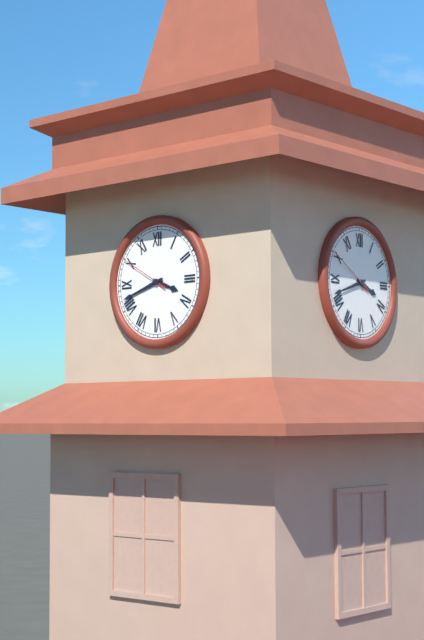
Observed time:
3:42:50
